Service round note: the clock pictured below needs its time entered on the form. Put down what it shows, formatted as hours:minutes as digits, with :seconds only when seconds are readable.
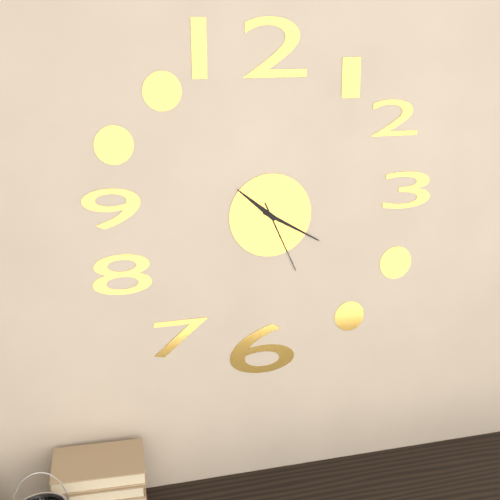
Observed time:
10:20:26
